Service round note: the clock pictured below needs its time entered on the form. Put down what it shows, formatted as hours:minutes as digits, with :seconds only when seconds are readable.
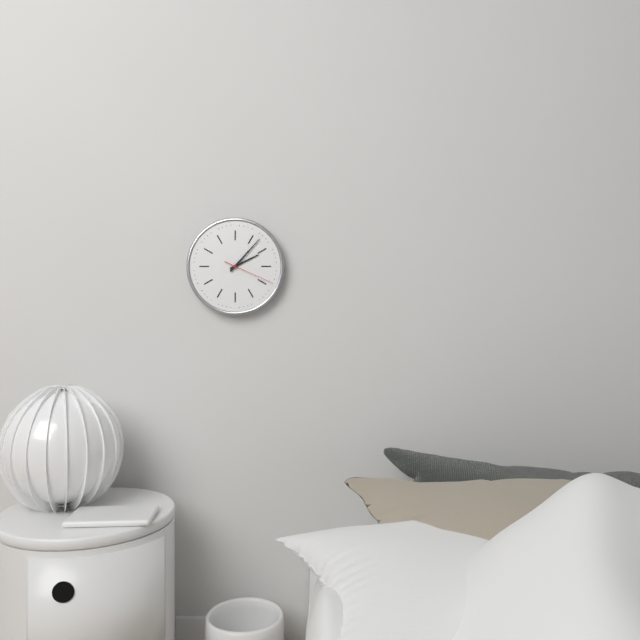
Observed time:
2:07:19
